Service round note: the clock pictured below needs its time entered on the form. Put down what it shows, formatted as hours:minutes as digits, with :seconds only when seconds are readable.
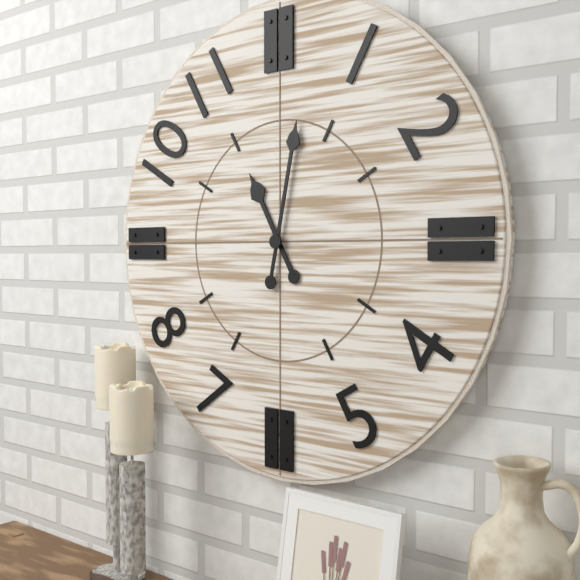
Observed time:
11:02
